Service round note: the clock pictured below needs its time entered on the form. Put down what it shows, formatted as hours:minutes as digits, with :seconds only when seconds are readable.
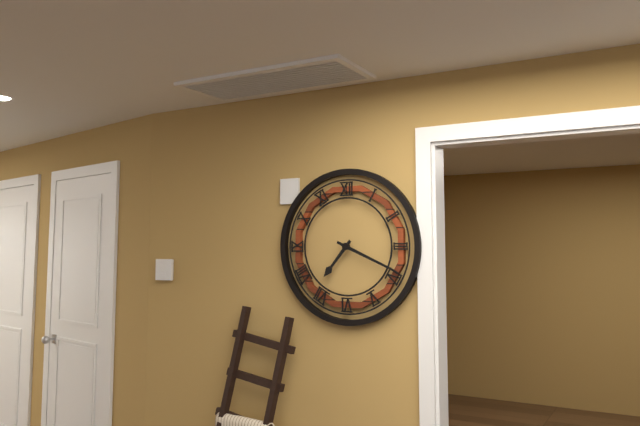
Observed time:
7:19
